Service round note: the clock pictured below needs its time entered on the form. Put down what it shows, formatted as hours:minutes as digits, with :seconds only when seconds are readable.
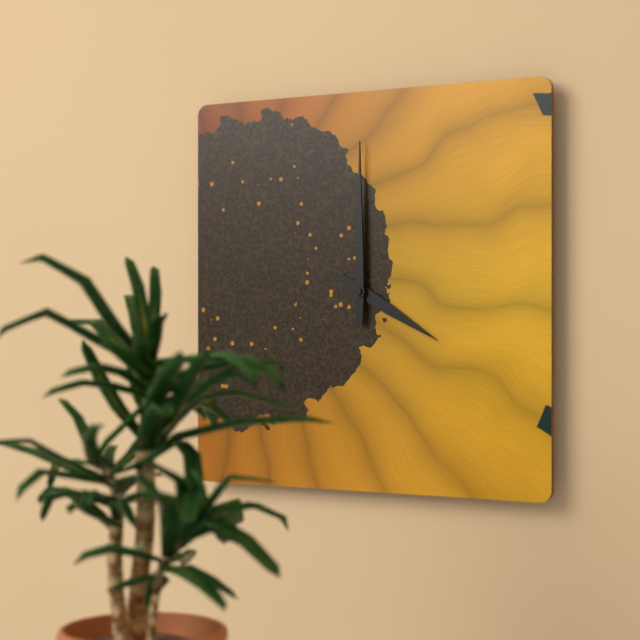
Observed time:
4:00
